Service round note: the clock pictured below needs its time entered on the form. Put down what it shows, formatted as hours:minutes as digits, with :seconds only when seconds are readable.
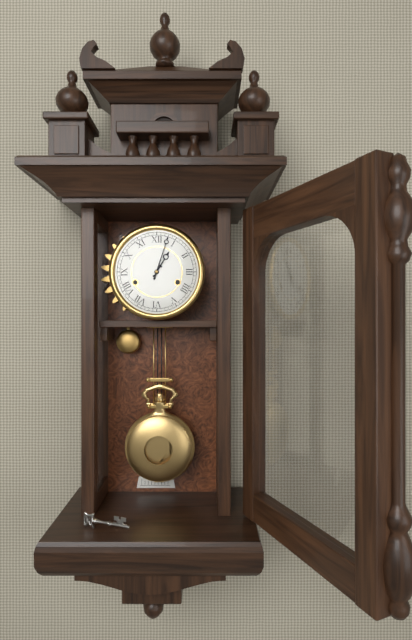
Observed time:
1:03
